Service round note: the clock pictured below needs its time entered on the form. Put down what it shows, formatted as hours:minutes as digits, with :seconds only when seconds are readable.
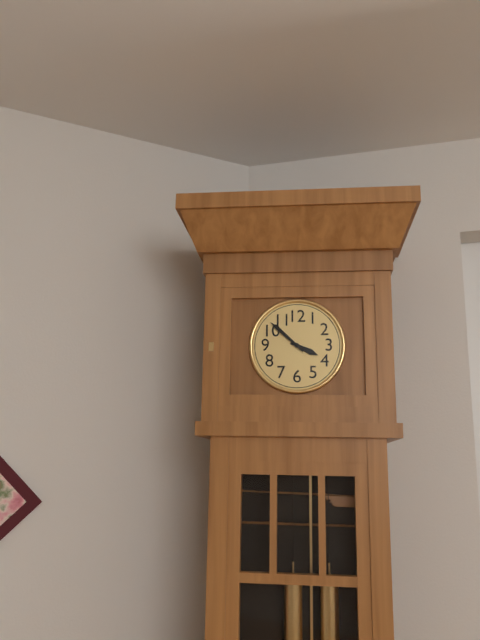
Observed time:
3:52
